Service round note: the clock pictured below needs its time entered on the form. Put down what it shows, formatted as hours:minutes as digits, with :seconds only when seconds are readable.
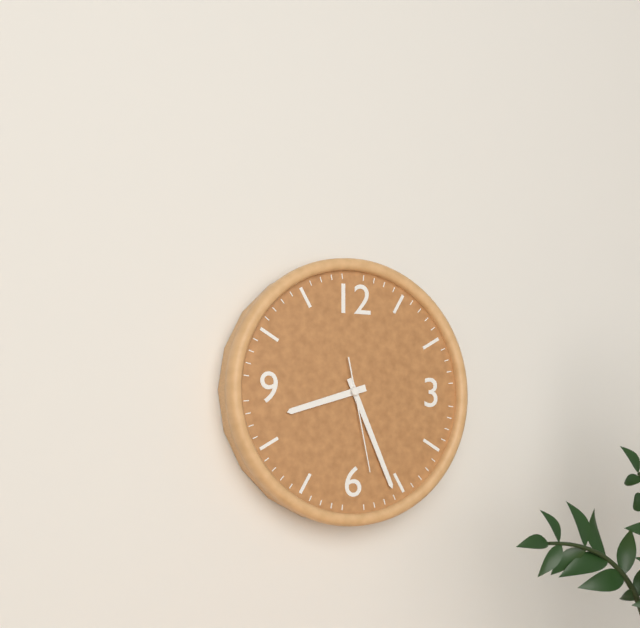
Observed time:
8:26:28
